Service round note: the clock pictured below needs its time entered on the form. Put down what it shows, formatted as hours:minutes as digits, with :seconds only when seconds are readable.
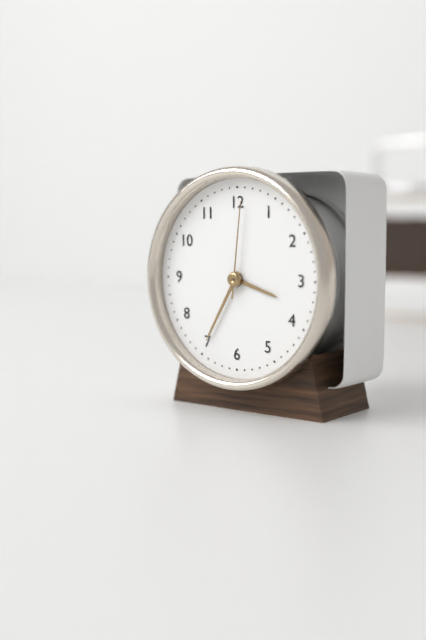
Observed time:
3:35:01
